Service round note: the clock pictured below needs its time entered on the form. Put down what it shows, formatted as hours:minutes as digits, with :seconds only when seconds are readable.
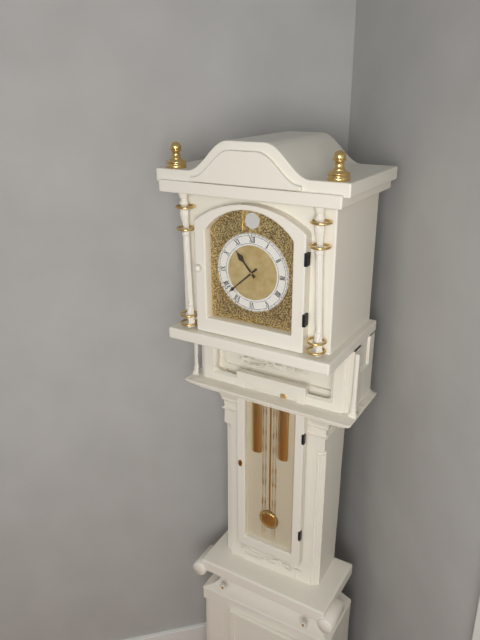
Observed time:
10:38
